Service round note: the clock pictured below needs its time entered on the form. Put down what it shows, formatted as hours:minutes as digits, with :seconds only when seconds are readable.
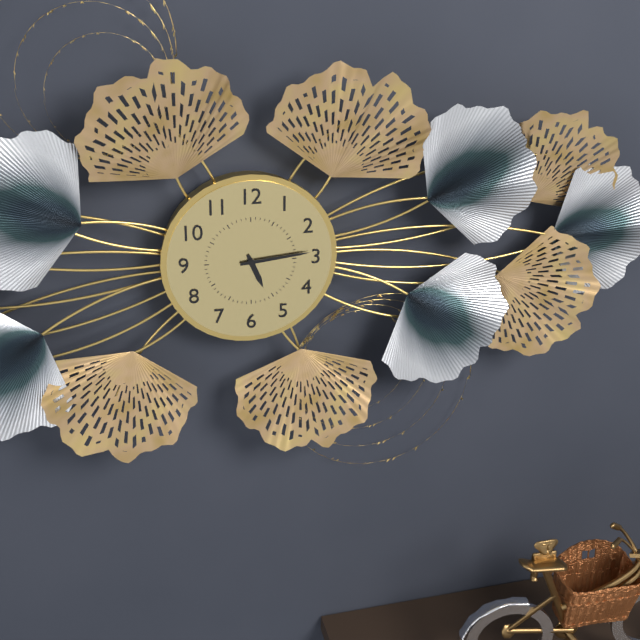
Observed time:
5:14
